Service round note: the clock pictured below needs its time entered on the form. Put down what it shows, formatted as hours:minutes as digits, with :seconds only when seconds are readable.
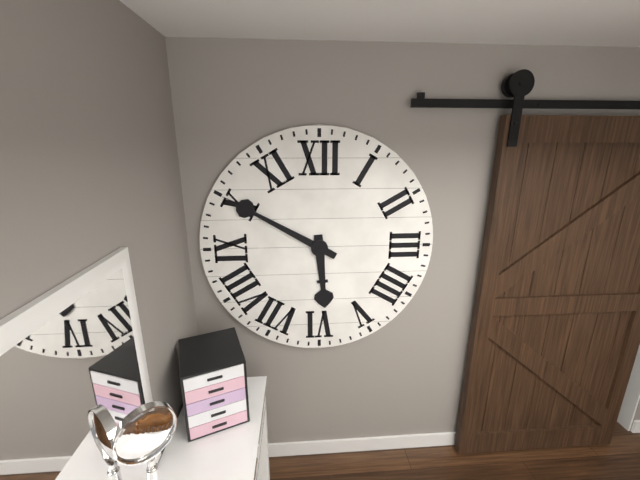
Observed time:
5:50
